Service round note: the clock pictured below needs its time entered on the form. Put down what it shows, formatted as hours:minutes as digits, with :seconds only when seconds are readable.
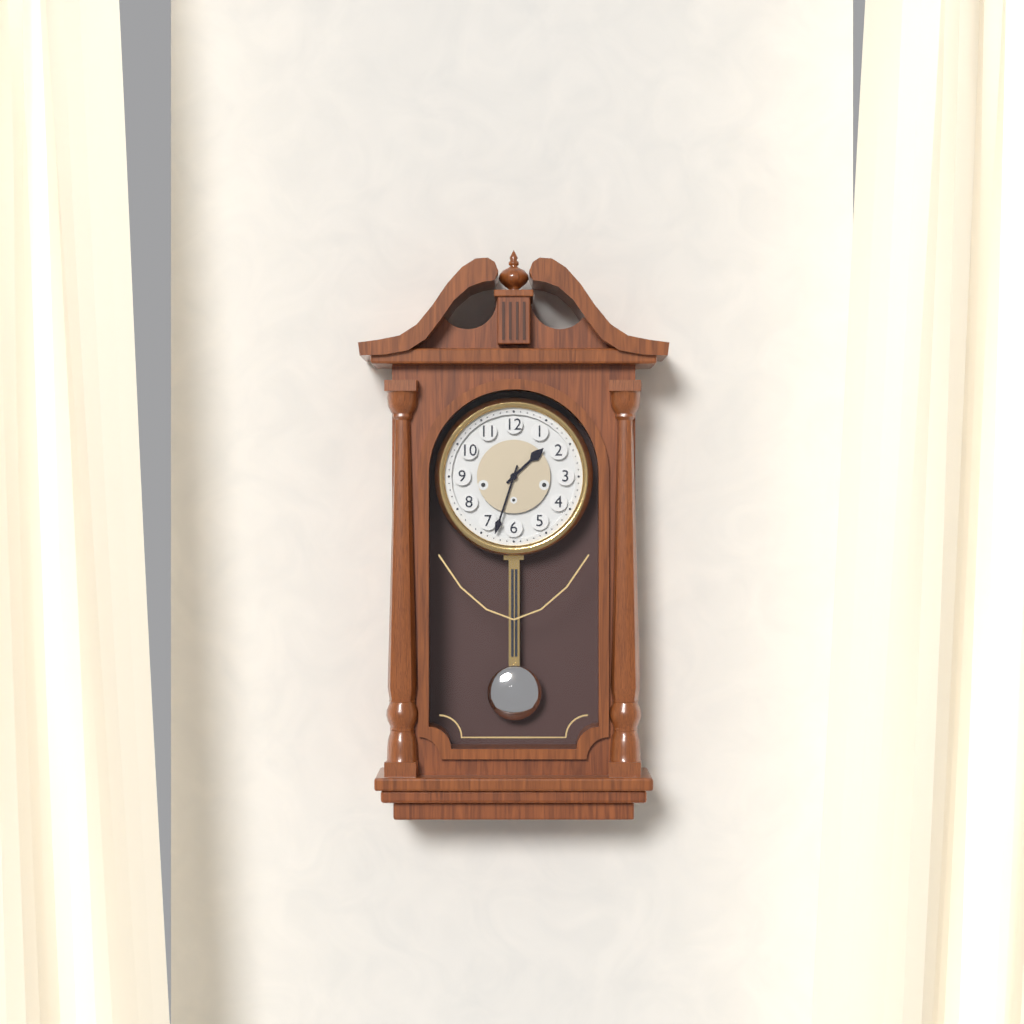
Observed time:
1:33
